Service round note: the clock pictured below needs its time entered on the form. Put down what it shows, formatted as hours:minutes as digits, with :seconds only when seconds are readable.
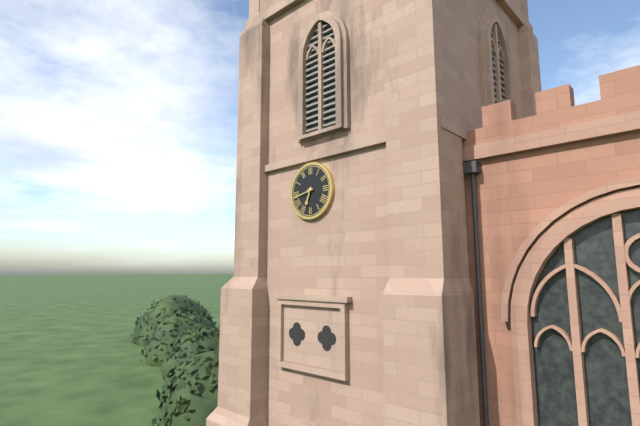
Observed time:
6:43
